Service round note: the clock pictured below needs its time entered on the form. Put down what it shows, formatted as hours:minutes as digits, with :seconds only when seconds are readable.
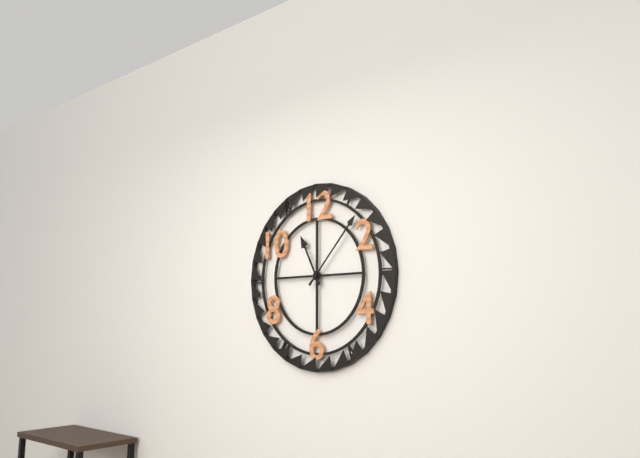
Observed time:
11:07
